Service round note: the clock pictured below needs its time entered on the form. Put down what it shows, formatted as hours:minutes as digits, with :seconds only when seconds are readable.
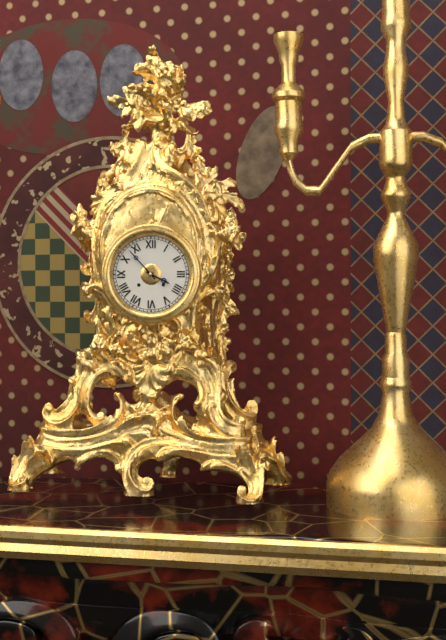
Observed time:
3:53
